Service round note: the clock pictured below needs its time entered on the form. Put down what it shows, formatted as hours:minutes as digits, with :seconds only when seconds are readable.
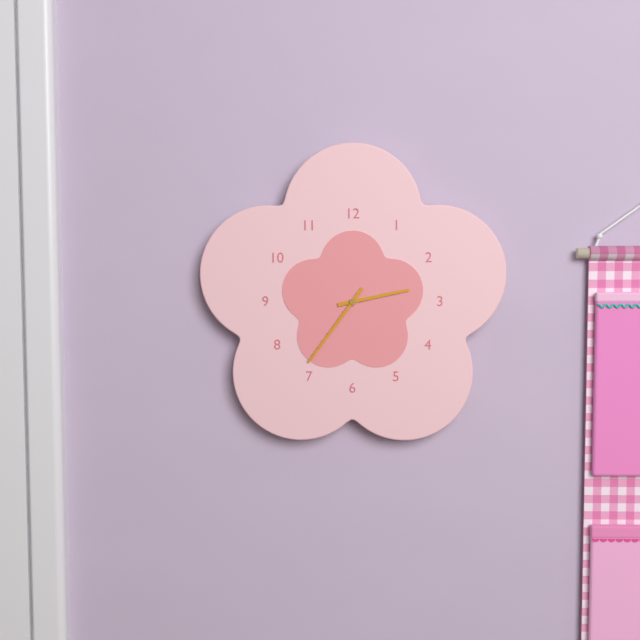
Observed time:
2:36
